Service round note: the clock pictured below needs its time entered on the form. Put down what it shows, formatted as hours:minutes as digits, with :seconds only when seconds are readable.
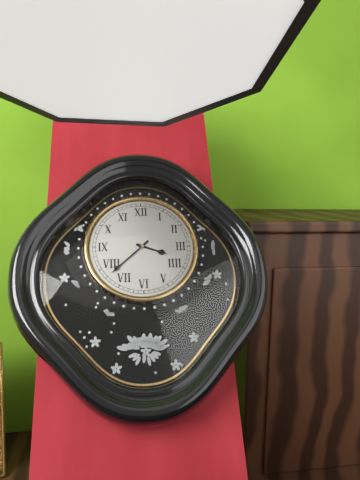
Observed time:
3:38
